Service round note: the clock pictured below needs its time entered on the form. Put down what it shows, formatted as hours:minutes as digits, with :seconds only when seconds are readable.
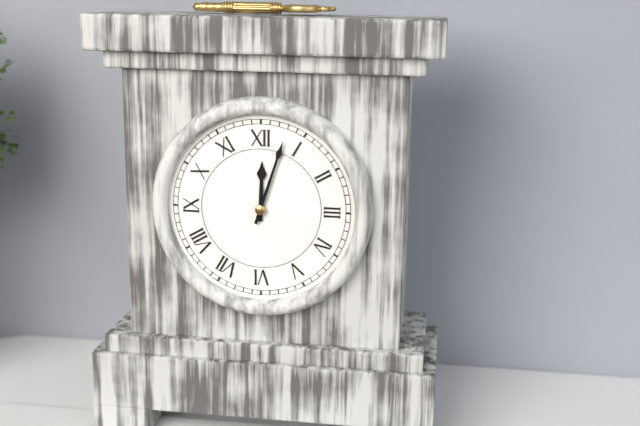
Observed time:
12:03
